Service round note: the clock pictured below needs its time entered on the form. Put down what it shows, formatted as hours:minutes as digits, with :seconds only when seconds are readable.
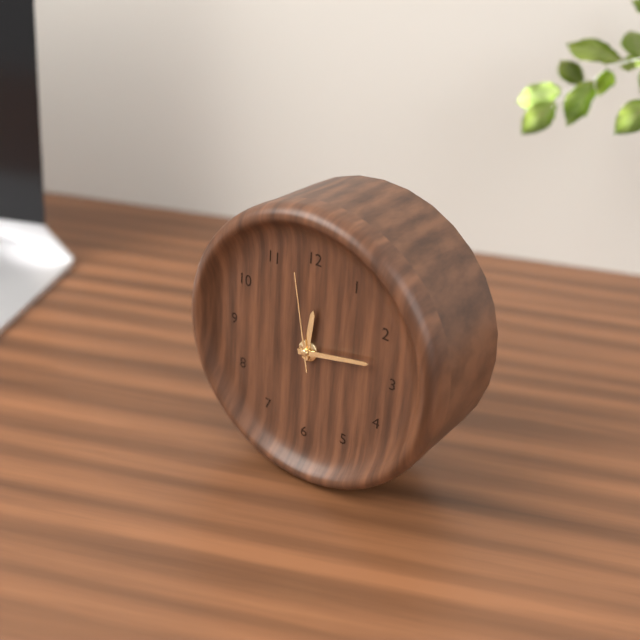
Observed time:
12:13:58
